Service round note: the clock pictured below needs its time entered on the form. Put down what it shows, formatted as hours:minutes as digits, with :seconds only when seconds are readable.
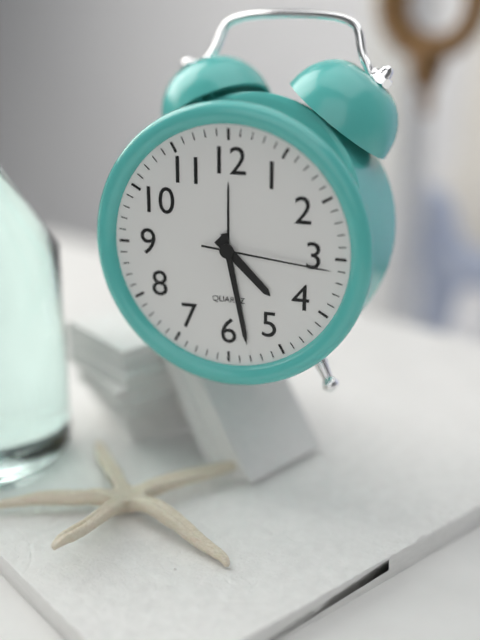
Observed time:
4:28:16
